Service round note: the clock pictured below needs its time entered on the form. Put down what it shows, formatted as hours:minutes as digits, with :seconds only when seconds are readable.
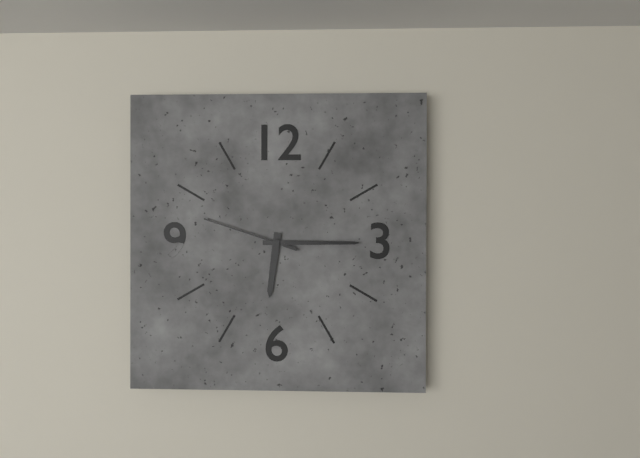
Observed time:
6:15:48
